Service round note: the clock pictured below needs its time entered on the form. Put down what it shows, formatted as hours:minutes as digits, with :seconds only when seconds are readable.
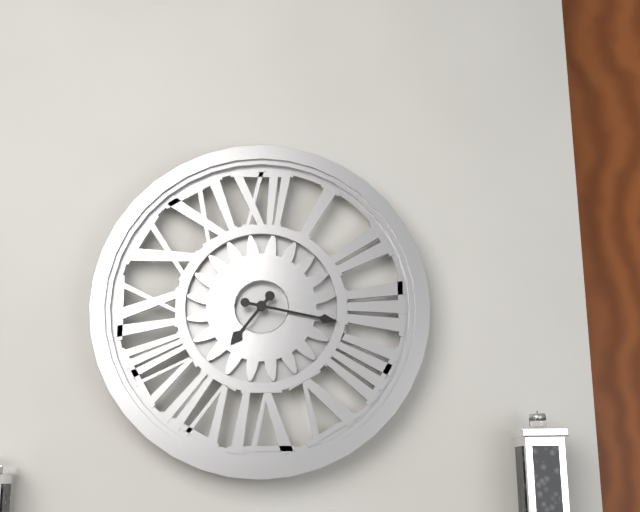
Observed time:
7:17
